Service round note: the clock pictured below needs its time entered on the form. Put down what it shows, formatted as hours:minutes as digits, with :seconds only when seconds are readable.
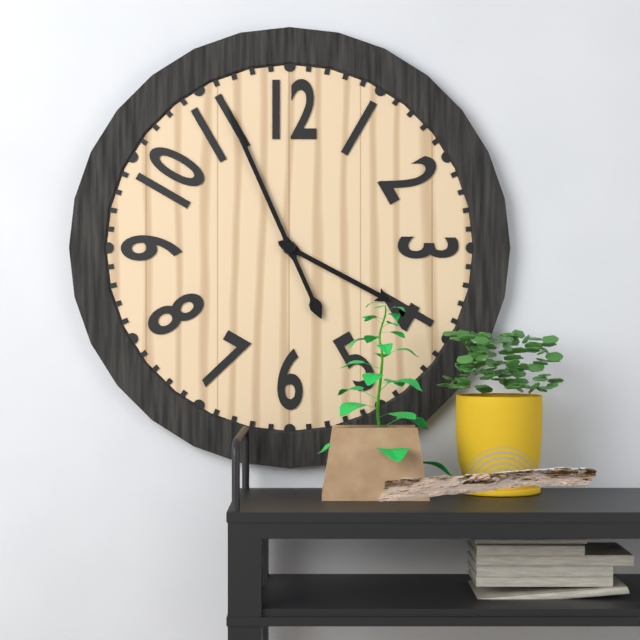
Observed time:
3:56
